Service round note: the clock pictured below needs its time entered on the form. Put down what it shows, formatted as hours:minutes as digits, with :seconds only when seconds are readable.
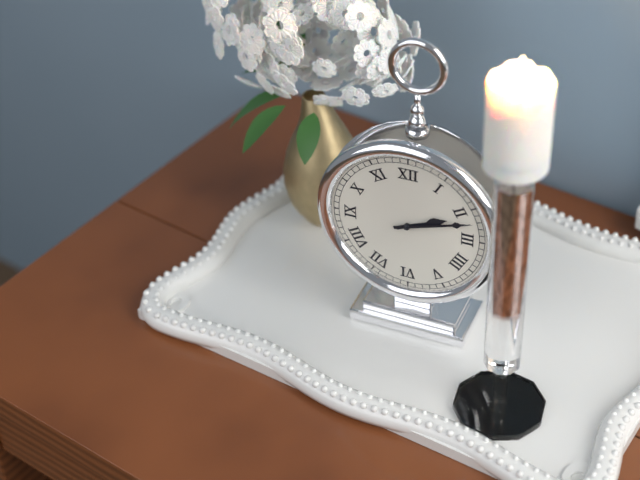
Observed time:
2:12
